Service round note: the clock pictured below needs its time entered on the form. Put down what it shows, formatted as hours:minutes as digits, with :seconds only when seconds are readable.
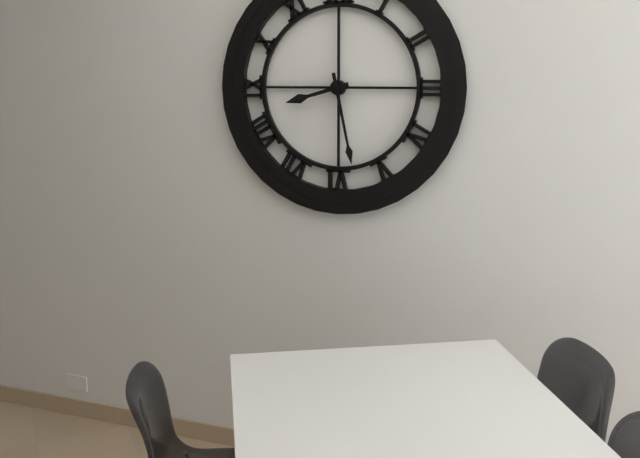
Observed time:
8:28
